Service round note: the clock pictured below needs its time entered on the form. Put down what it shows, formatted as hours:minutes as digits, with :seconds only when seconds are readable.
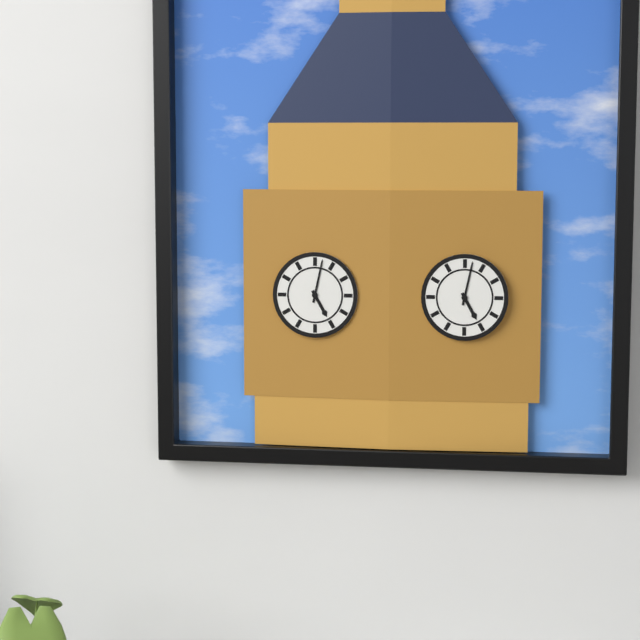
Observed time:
5:02
